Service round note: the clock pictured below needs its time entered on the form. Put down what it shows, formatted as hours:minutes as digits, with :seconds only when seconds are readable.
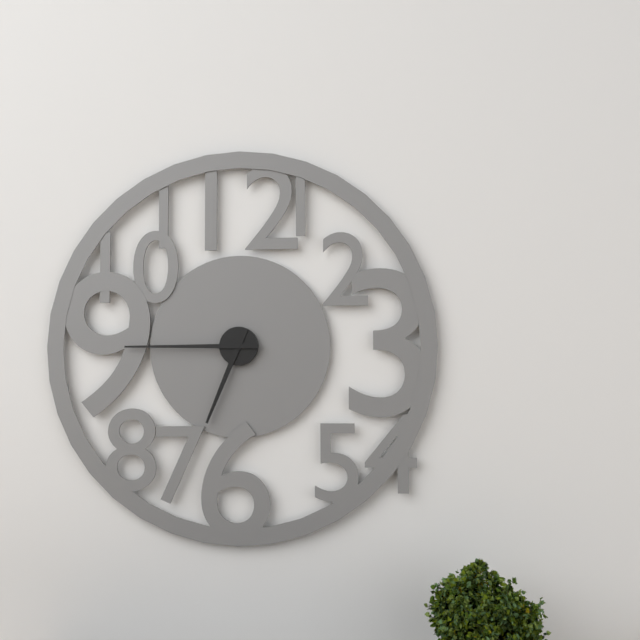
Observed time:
6:45
